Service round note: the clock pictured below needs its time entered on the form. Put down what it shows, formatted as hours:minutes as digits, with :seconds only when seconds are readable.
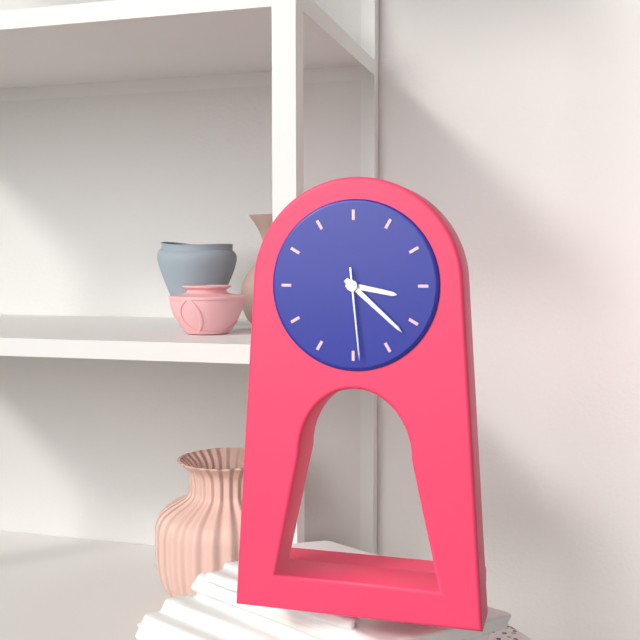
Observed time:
3:22:29
